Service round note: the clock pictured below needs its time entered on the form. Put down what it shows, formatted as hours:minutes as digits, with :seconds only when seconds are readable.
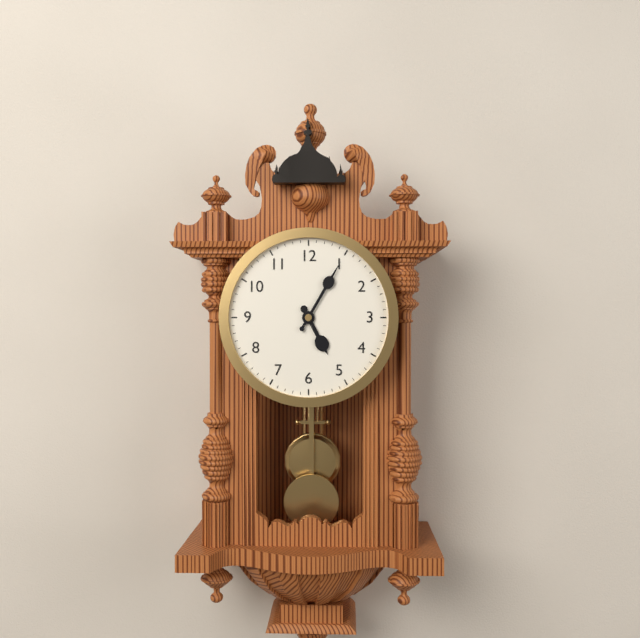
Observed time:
5:05
